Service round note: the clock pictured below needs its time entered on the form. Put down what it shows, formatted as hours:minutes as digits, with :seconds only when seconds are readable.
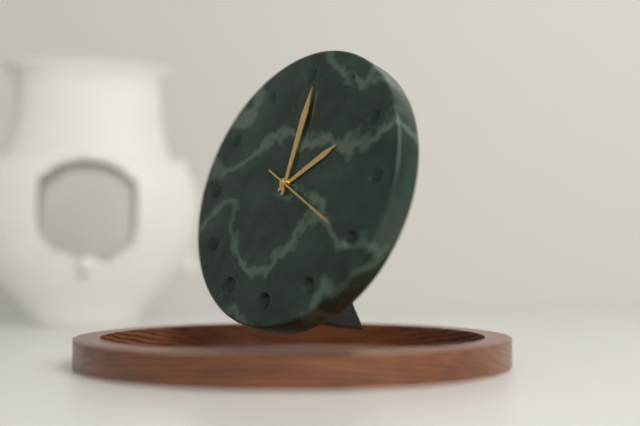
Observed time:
2:01:20
